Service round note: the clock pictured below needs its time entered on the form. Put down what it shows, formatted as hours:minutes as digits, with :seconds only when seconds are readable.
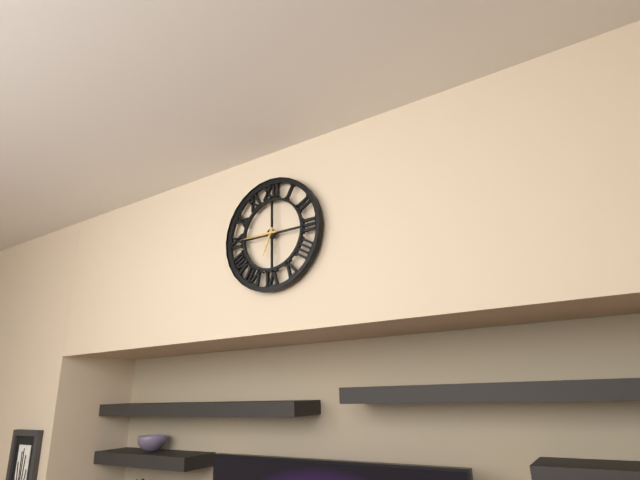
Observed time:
6:45
